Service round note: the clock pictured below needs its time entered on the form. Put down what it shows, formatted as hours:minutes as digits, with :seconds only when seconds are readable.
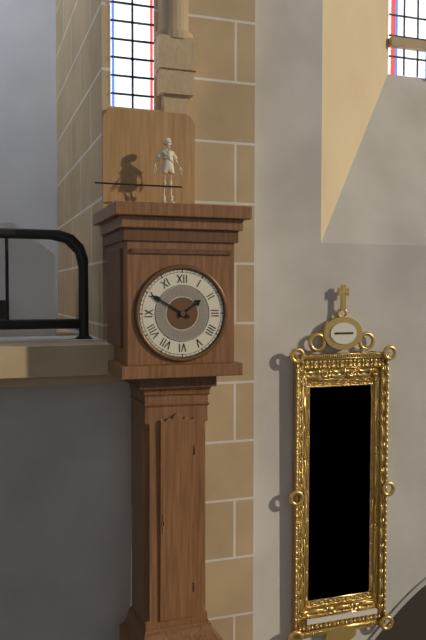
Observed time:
1:50
